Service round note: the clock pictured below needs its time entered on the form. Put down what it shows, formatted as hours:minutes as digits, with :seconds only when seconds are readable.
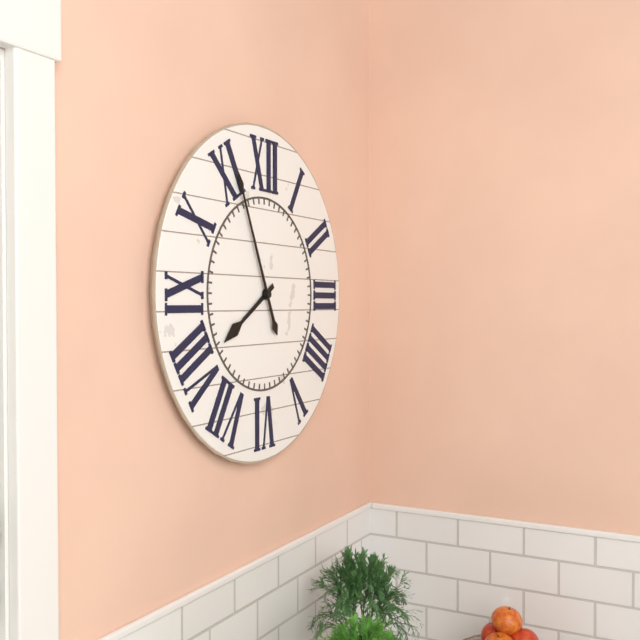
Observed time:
7:56
